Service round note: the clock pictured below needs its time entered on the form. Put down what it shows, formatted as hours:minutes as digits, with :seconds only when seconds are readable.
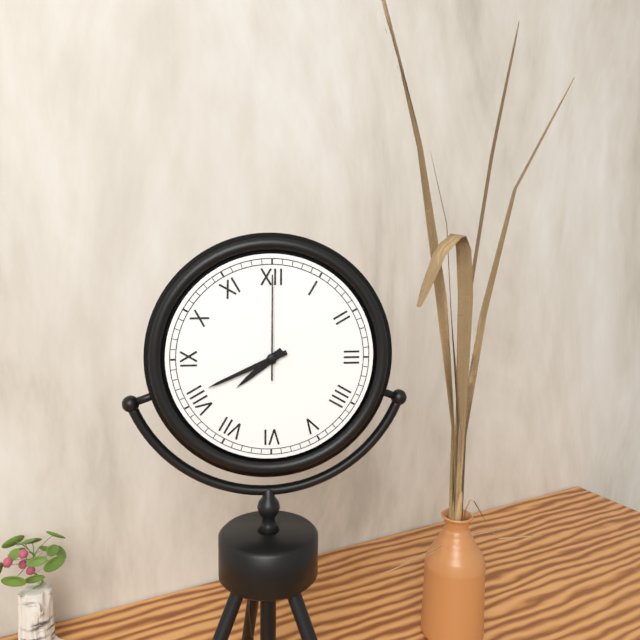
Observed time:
7:41:00
